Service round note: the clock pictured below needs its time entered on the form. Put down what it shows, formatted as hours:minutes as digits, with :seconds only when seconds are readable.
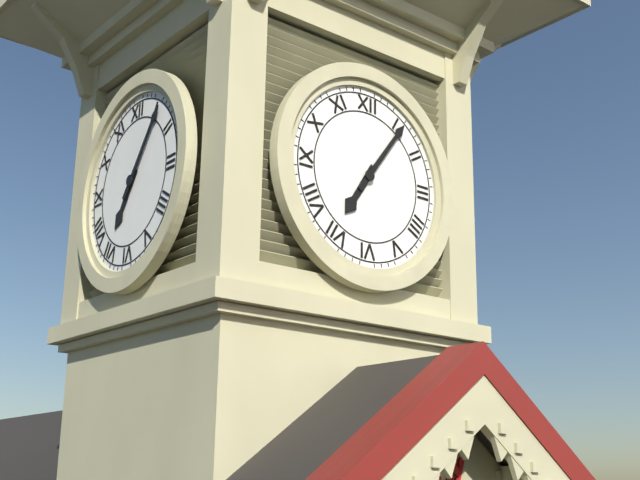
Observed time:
7:06
